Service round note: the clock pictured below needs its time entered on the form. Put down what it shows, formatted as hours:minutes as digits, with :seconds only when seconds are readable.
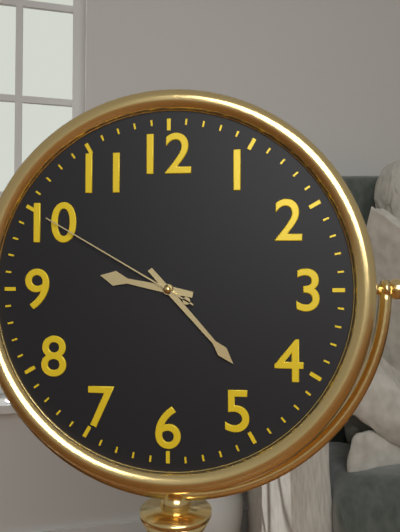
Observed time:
9:23:50
